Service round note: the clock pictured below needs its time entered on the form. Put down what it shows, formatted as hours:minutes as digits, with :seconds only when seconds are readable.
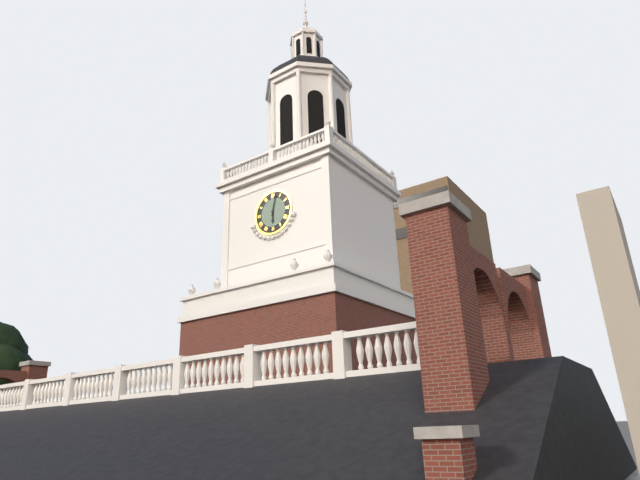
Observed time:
6:02
